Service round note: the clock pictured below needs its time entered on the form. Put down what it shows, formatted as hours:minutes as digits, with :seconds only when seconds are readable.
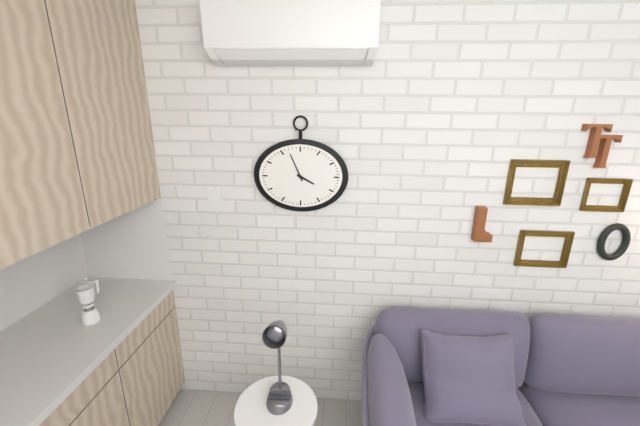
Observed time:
3:56
